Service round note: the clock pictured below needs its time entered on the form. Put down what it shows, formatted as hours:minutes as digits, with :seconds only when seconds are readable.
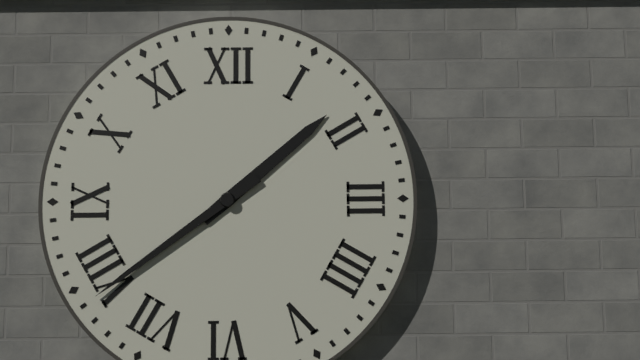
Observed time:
1:39
